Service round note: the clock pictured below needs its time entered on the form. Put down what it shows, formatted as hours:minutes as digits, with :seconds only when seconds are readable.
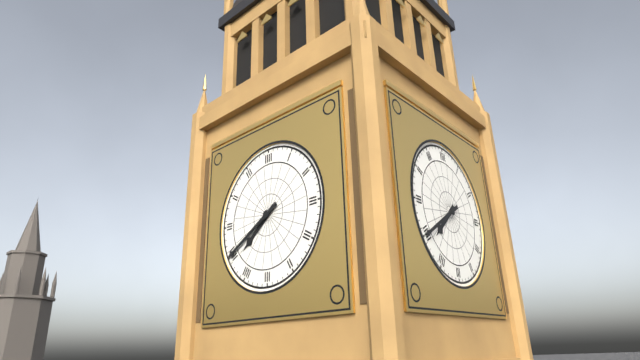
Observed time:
7:40
